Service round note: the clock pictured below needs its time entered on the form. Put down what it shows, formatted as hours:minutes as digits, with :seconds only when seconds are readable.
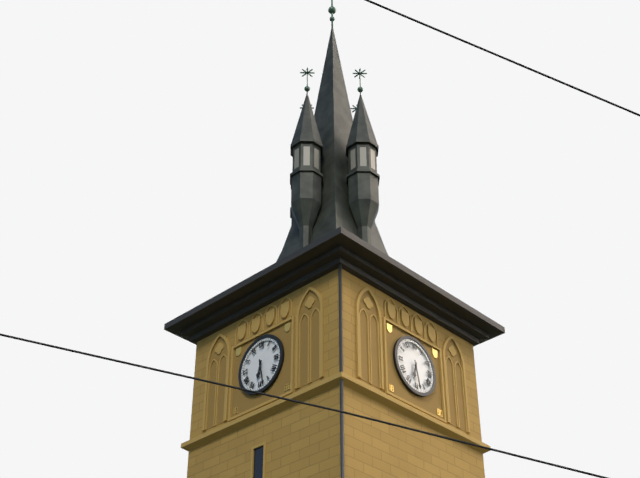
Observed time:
6:28
